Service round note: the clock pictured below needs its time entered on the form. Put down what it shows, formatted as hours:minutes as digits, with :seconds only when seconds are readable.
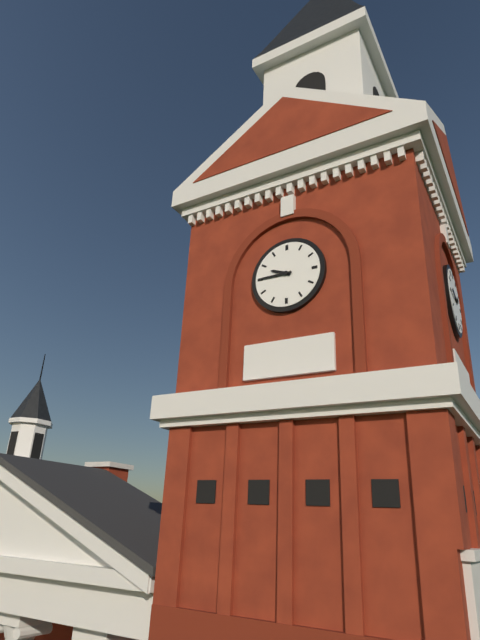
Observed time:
9:45
